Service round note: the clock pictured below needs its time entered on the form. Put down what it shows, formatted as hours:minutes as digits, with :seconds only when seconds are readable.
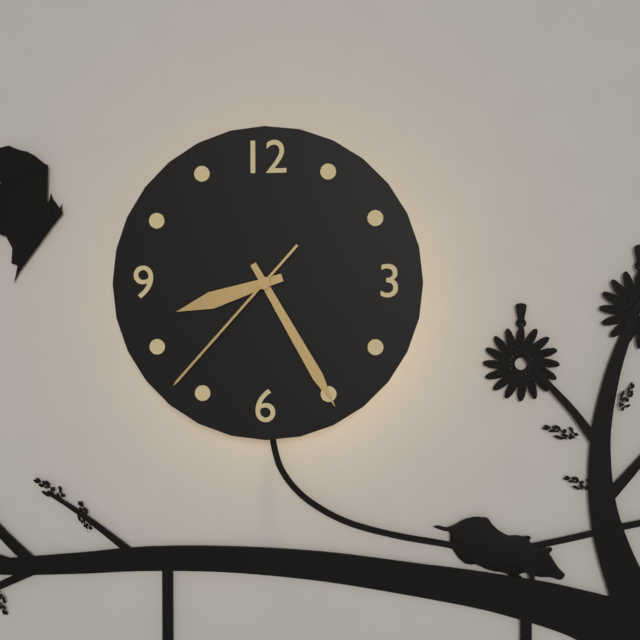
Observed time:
8:25:37
